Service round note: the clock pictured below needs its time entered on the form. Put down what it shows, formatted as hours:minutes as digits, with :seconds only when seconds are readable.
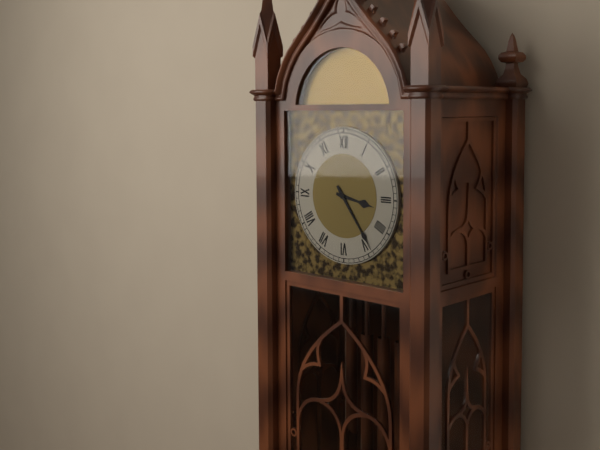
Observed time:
3:24
